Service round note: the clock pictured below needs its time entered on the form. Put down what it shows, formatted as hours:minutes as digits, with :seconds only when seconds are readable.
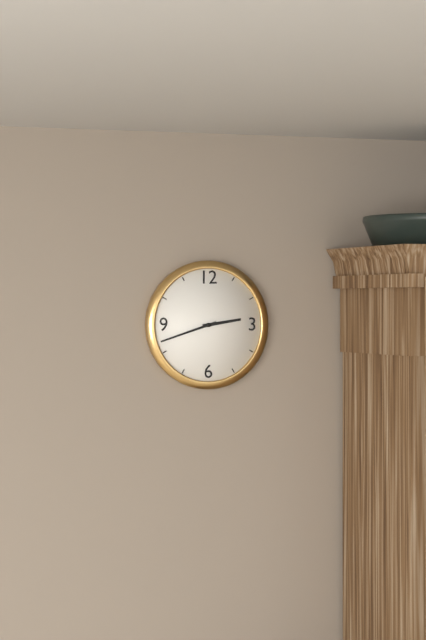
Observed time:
2:42
